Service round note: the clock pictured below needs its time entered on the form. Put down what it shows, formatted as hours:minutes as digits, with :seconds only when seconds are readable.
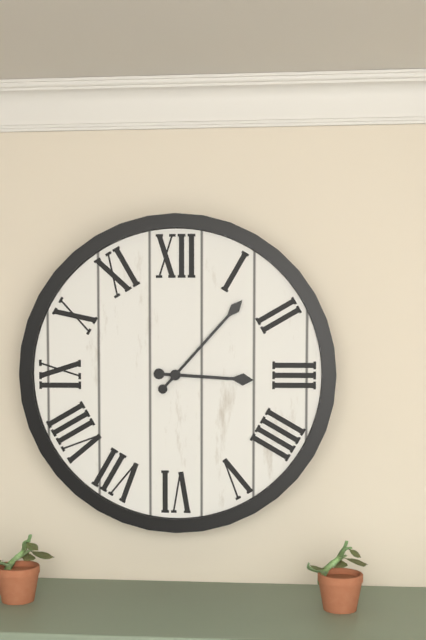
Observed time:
3:07
